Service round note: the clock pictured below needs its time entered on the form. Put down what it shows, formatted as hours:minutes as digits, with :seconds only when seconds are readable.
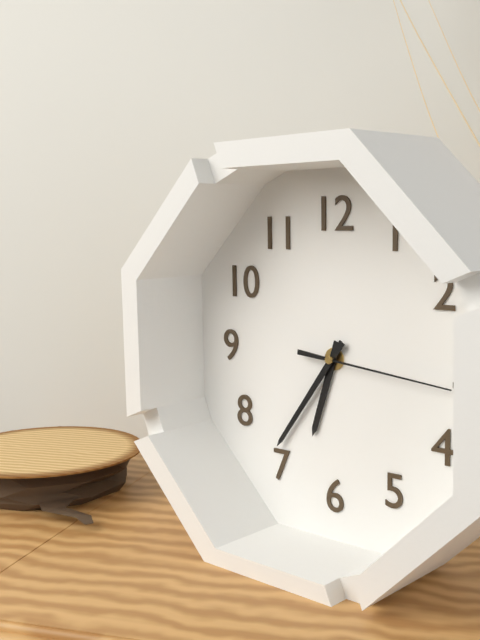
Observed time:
6:36:16
